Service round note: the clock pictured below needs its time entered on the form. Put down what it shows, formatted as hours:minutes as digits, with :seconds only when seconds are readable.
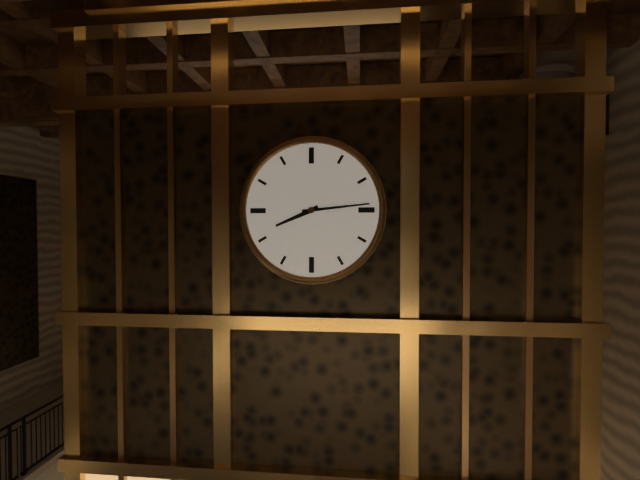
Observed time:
8:14
